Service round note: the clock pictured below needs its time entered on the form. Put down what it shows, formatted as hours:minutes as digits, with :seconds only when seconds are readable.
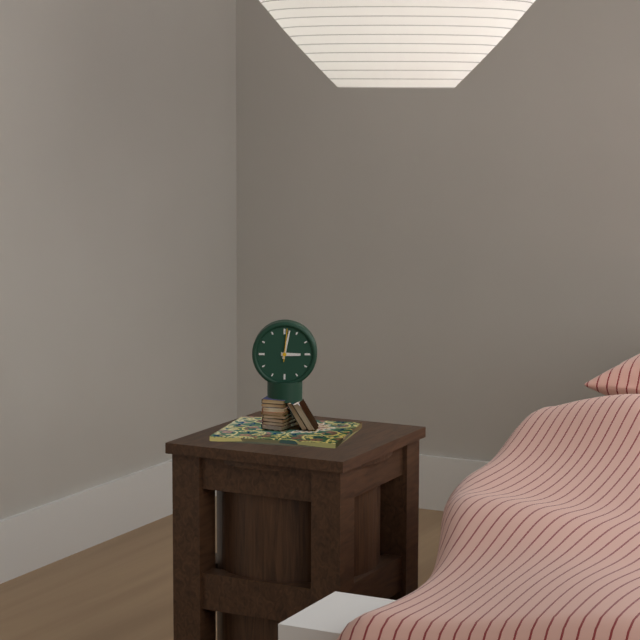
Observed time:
3:02
